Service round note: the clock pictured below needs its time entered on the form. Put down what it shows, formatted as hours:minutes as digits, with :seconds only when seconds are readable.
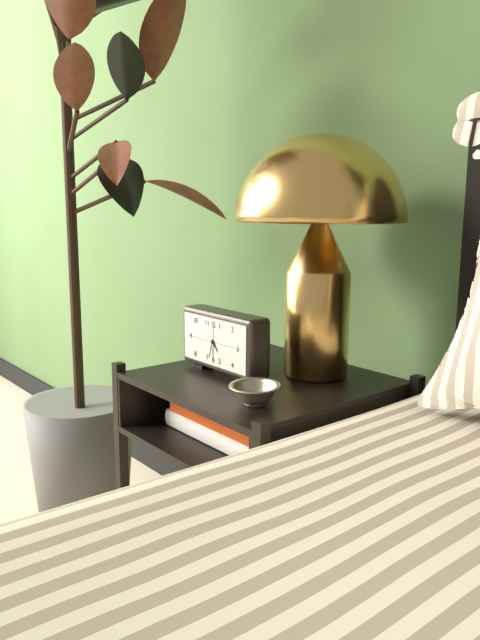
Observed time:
4:33
